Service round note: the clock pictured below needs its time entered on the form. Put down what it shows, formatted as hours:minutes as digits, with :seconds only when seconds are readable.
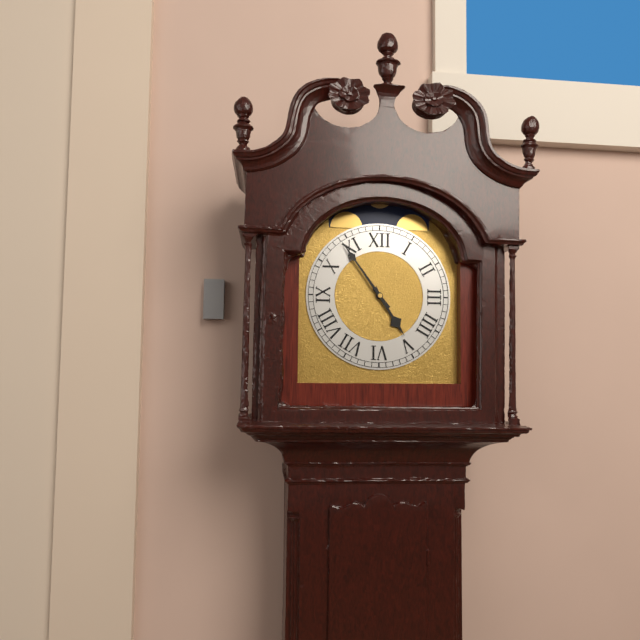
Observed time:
4:54
